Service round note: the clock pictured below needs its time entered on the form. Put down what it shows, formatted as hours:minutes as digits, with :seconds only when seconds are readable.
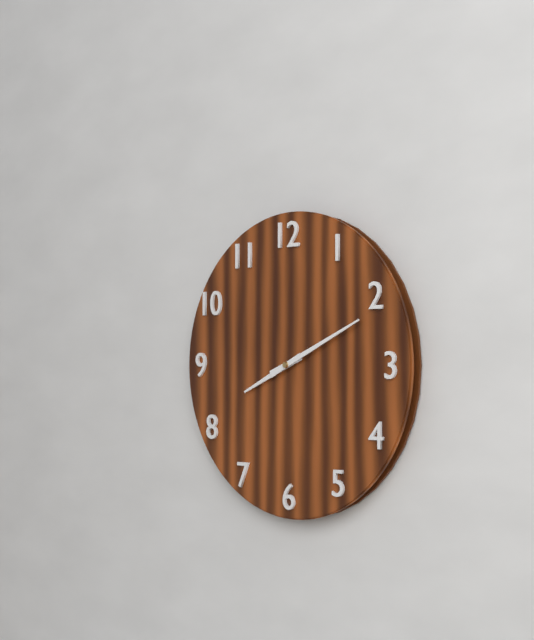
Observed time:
8:11
